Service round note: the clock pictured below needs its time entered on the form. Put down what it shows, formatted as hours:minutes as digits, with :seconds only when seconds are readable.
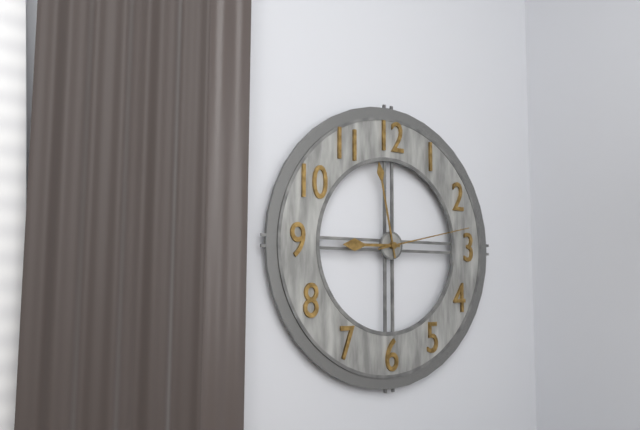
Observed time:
8:58:13
